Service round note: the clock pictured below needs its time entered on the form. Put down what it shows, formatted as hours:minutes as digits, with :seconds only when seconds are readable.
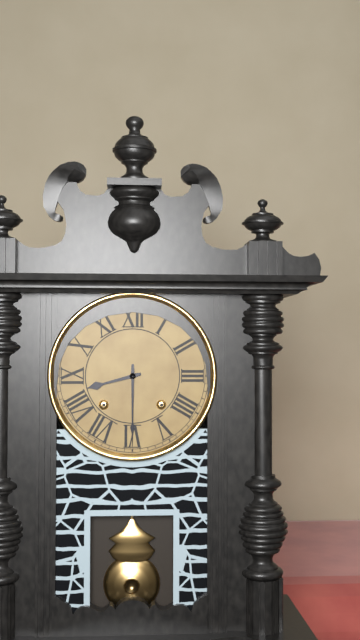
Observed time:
8:30
